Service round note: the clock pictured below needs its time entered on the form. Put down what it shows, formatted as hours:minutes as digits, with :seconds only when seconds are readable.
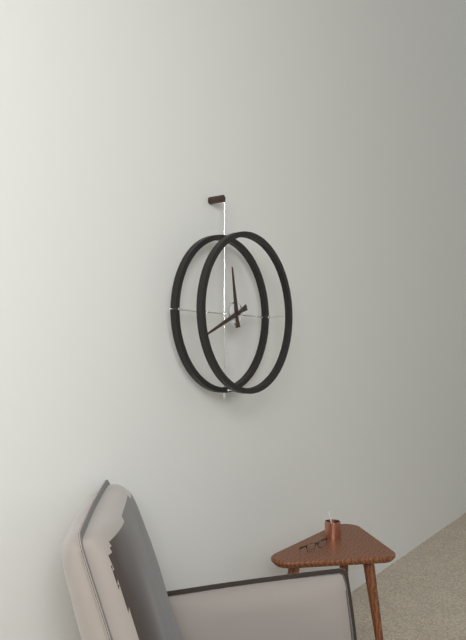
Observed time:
11:41
